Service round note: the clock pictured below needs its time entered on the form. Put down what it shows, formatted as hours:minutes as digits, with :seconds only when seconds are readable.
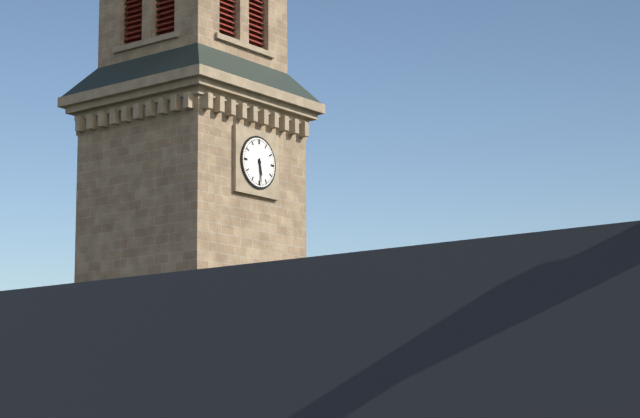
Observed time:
5:29
